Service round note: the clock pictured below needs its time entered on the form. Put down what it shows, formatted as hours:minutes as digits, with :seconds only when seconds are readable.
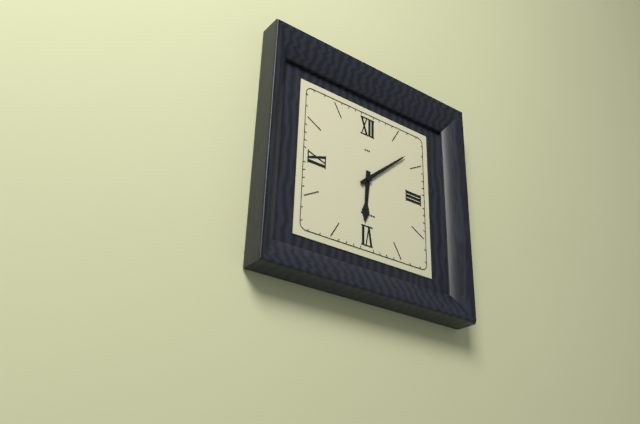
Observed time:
6:08
